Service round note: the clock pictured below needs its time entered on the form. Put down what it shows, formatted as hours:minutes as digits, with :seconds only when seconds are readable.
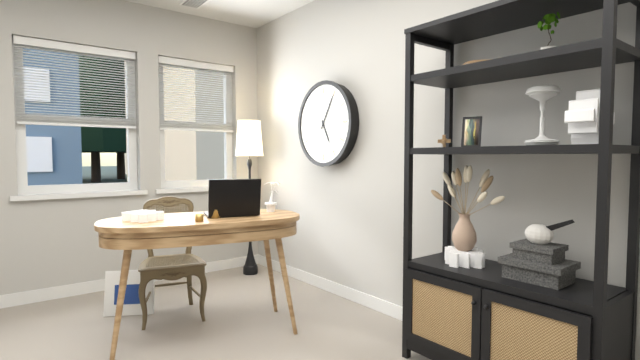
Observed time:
5:05
